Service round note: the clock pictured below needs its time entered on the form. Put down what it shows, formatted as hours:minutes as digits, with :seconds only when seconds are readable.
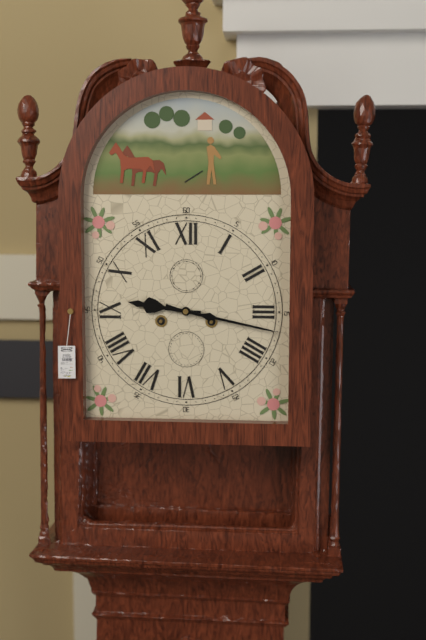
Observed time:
9:17
